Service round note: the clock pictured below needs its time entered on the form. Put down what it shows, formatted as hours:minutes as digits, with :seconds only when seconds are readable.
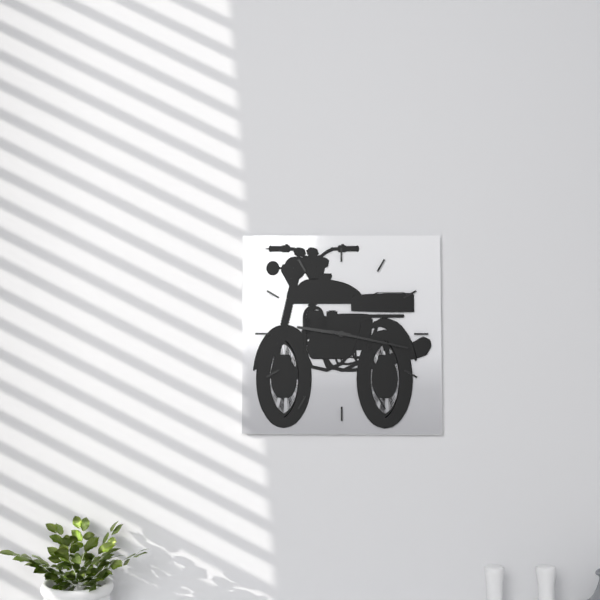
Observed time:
9:17
